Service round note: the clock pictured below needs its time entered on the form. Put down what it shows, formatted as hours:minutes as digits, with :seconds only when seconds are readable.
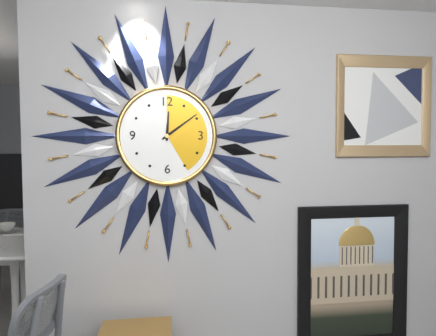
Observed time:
12:09
